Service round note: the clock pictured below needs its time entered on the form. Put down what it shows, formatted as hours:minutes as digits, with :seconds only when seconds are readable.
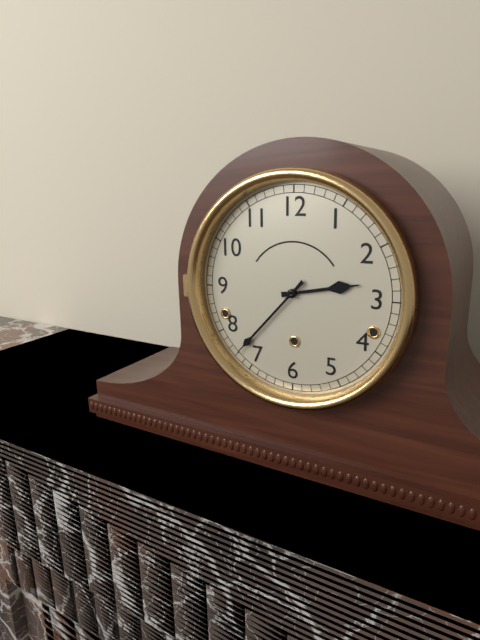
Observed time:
2:37
